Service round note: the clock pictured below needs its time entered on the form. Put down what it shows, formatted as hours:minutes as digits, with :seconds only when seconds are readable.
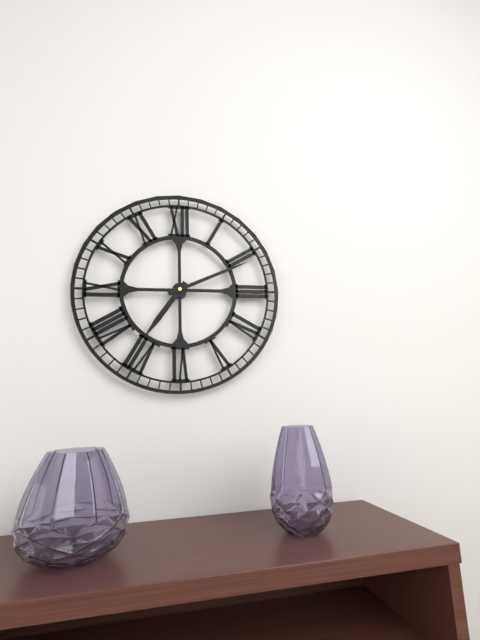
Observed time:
7:11
